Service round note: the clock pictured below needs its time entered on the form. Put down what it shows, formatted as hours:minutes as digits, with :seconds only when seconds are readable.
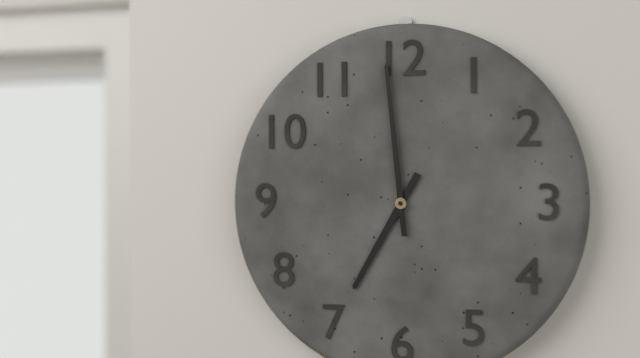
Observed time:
6:59
